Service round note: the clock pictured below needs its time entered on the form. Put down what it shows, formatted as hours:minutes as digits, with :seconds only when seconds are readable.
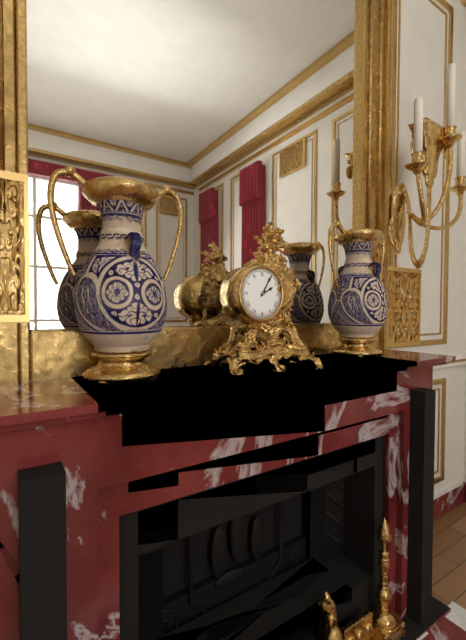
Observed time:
2:05
